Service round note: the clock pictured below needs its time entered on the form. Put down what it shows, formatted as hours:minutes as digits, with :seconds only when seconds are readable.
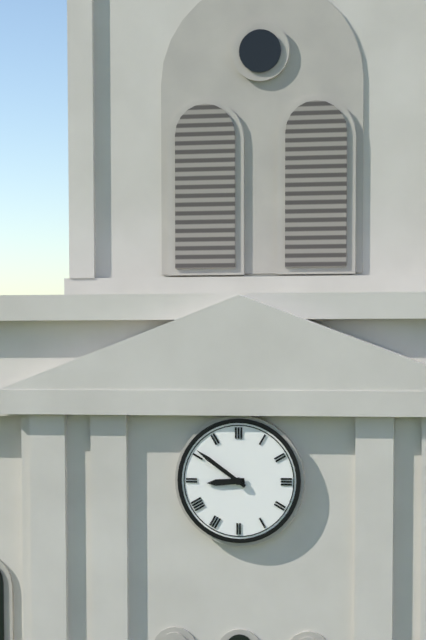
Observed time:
8:51
